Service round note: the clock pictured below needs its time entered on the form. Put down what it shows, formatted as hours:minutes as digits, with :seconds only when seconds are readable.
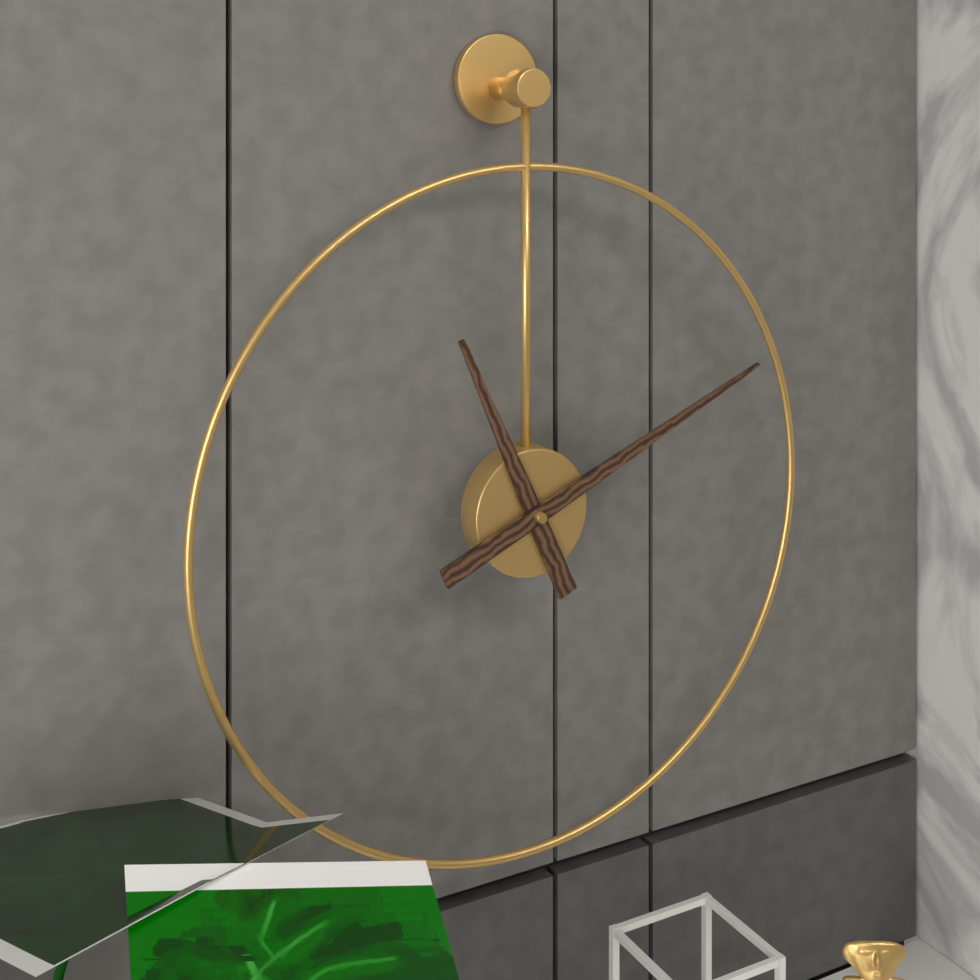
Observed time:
11:11
